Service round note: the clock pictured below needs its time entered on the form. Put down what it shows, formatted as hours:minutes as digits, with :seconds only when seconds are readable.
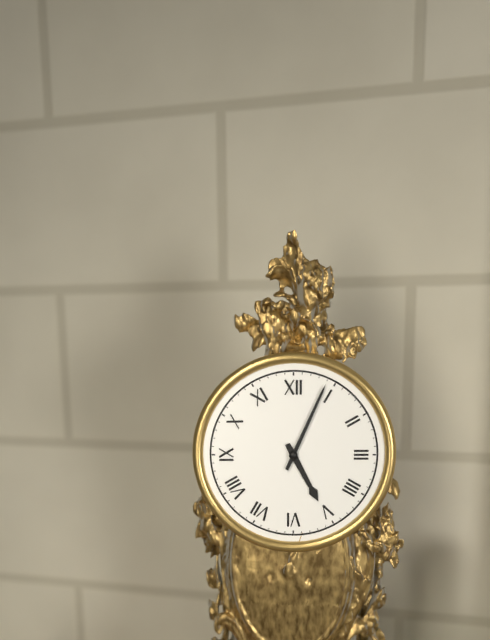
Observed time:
5:04
